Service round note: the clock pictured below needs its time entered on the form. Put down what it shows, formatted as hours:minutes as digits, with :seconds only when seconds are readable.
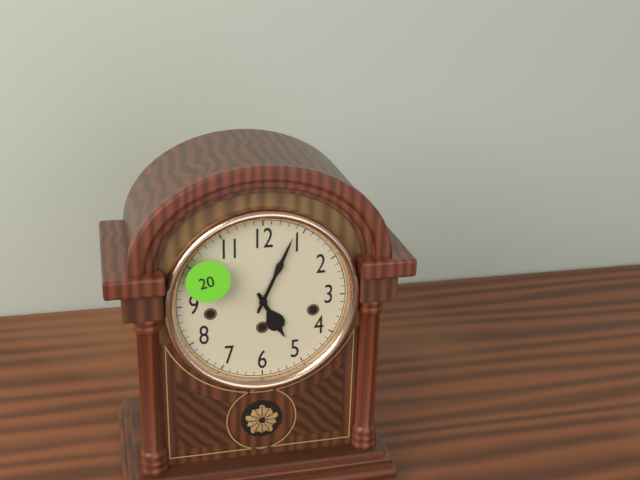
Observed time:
5:04
